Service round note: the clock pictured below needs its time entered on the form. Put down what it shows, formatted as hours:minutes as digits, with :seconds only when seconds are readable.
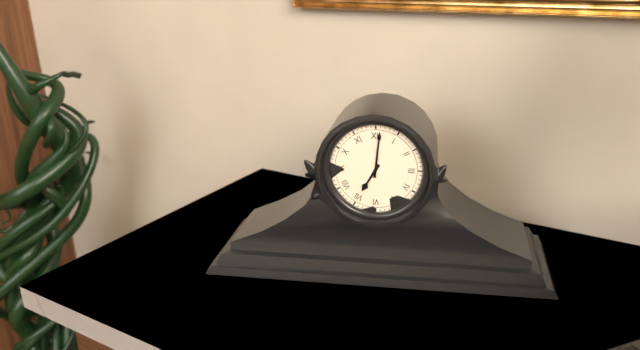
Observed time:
7:01
